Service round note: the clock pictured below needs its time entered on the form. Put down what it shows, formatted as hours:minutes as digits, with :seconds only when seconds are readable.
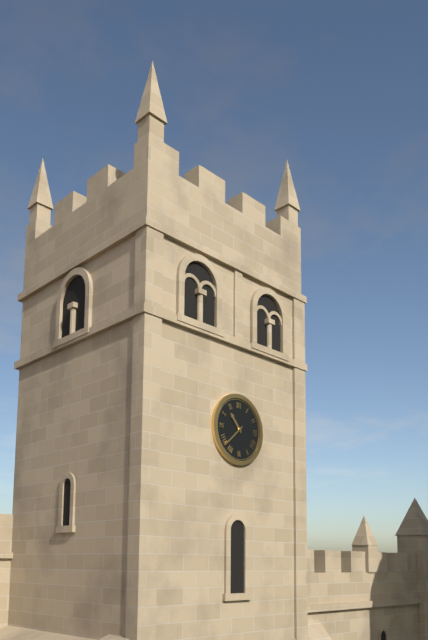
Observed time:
10:38
